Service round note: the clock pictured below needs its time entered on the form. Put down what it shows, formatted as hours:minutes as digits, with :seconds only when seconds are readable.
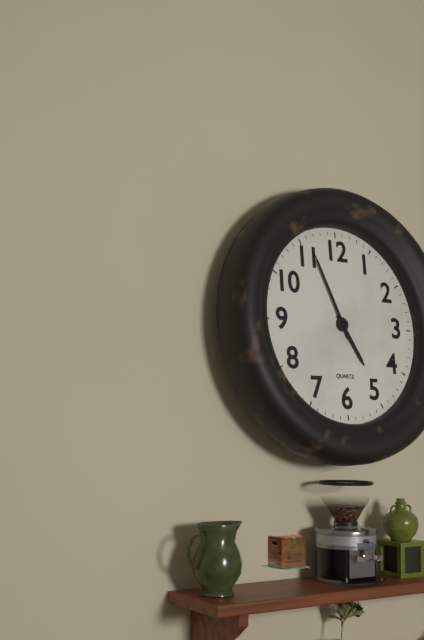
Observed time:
4:56
